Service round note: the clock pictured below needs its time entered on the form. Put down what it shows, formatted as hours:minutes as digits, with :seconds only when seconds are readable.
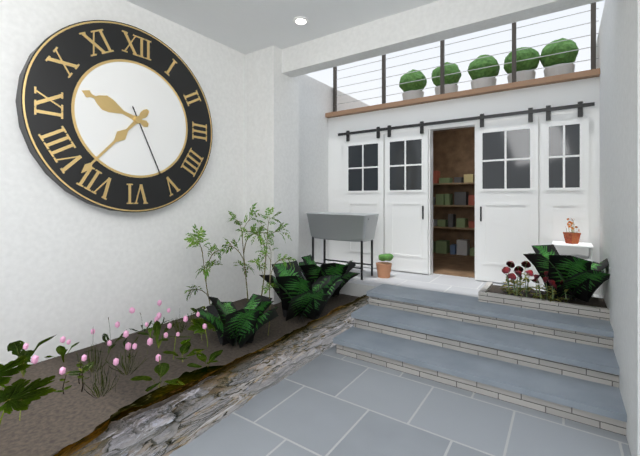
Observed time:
9:37:26
